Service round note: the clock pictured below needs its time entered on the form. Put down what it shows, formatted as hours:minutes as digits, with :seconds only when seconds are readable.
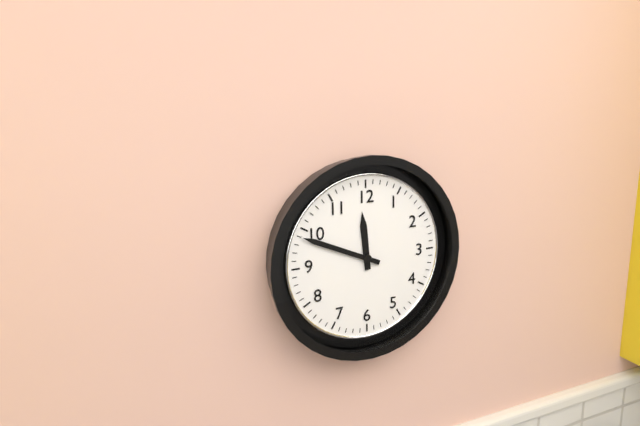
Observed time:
11:49
